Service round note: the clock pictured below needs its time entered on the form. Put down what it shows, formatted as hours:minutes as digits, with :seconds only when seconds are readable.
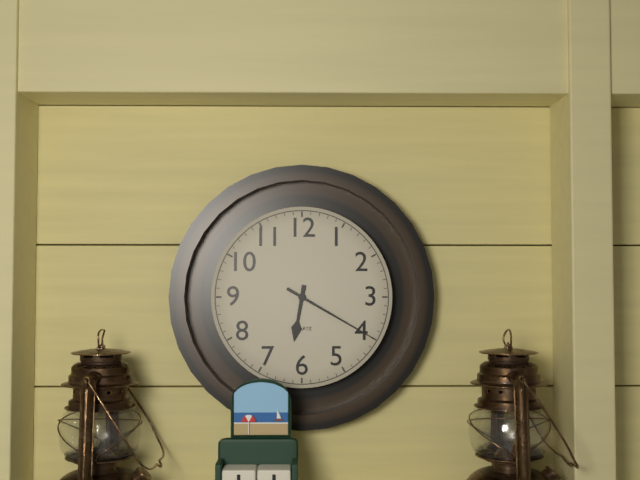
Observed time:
6:20
